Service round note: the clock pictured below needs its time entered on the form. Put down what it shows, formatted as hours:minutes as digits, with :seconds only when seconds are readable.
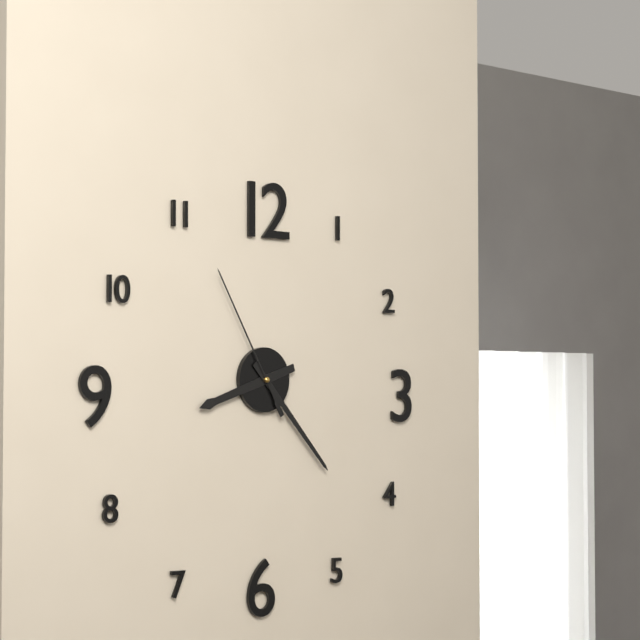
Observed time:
8:23:55
